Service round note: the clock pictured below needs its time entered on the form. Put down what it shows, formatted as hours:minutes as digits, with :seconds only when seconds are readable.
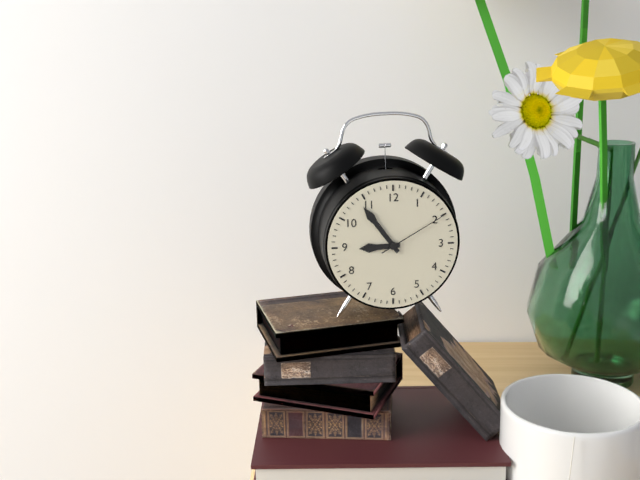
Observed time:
8:54:10
